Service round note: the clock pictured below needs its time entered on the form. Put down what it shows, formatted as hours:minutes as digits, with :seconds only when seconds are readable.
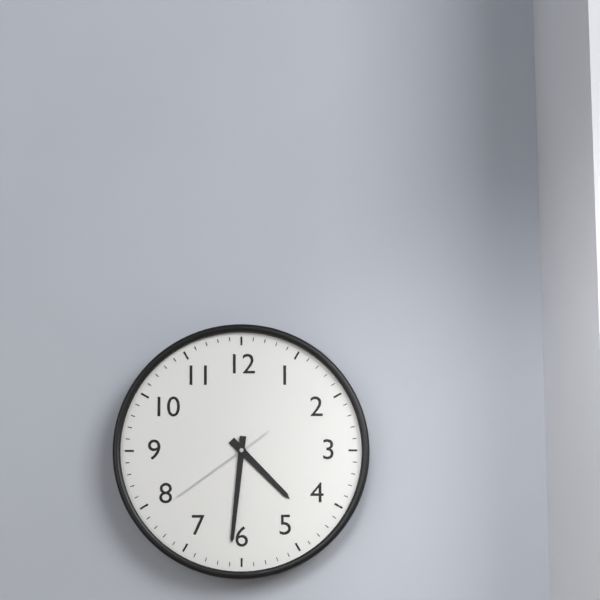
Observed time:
4:31:39
